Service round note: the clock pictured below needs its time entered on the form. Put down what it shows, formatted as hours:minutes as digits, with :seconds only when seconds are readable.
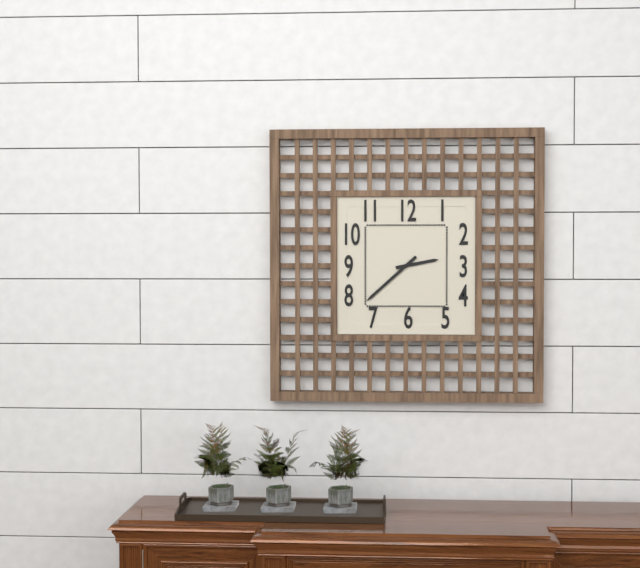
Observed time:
2:38
